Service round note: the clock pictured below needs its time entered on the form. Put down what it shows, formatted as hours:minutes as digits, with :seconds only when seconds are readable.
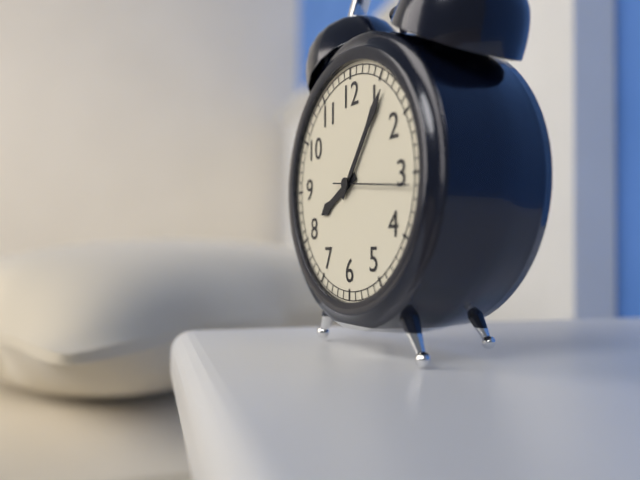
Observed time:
8:06:16
